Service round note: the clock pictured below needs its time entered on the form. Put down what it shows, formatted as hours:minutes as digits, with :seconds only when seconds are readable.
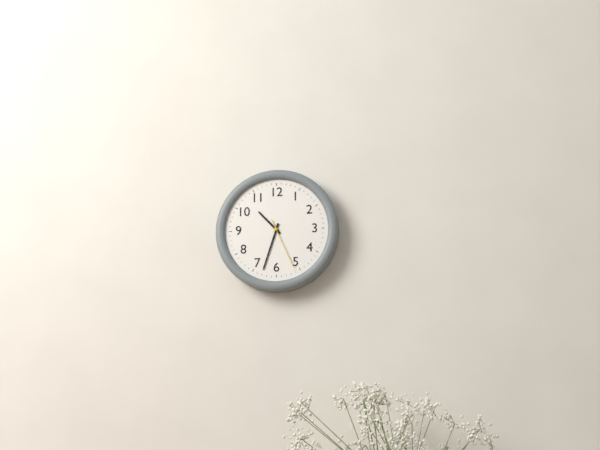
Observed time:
10:33:26
